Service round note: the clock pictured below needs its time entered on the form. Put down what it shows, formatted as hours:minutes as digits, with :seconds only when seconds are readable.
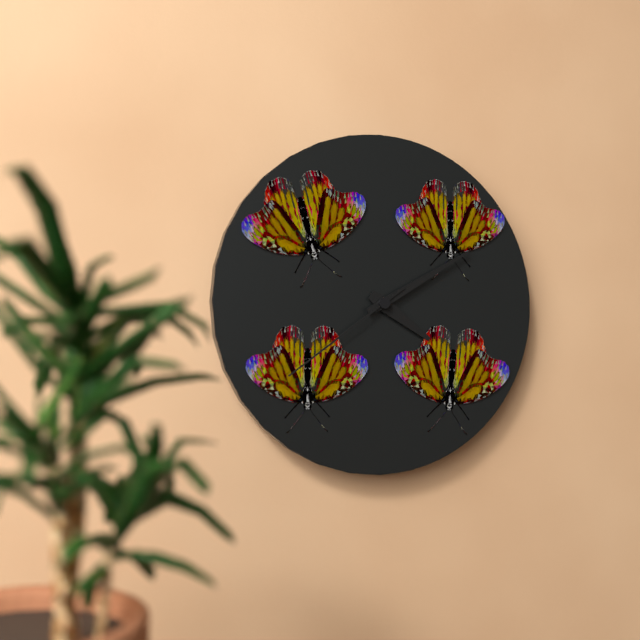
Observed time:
4:10:39
